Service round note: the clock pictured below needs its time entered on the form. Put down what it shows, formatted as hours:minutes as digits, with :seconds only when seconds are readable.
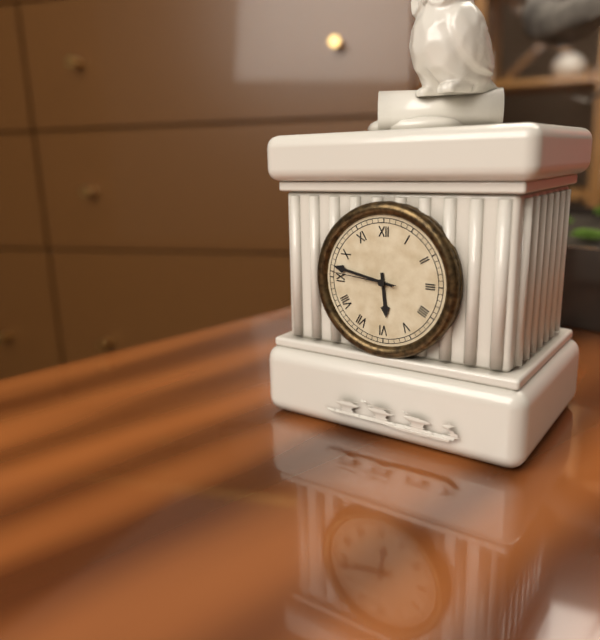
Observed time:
5:47:46
